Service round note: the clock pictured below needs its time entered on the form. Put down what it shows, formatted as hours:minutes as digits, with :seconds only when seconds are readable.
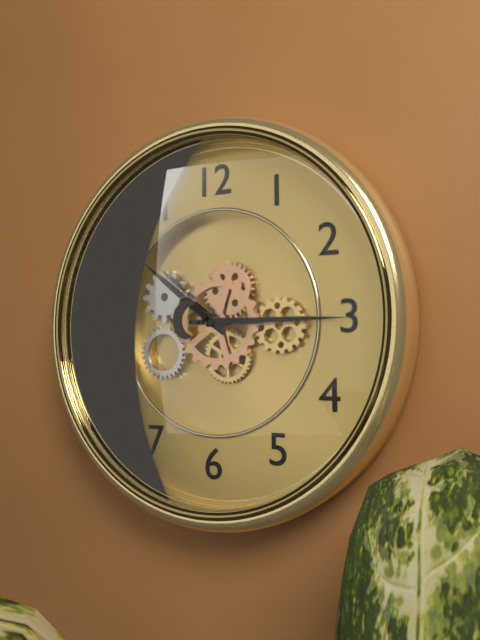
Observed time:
10:15
